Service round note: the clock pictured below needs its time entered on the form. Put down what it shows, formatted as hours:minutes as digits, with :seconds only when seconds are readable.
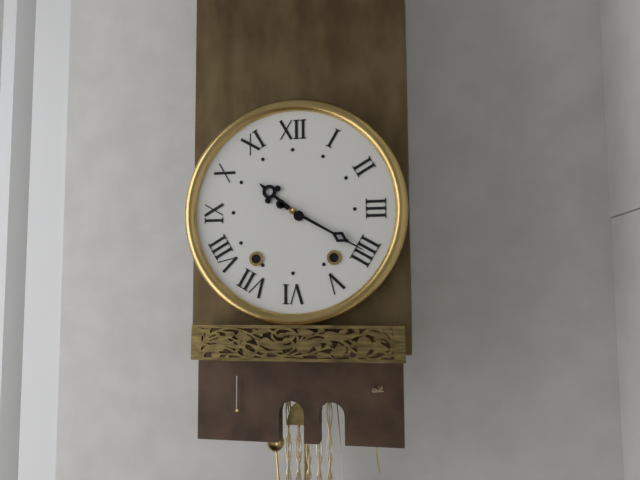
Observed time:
10:20
